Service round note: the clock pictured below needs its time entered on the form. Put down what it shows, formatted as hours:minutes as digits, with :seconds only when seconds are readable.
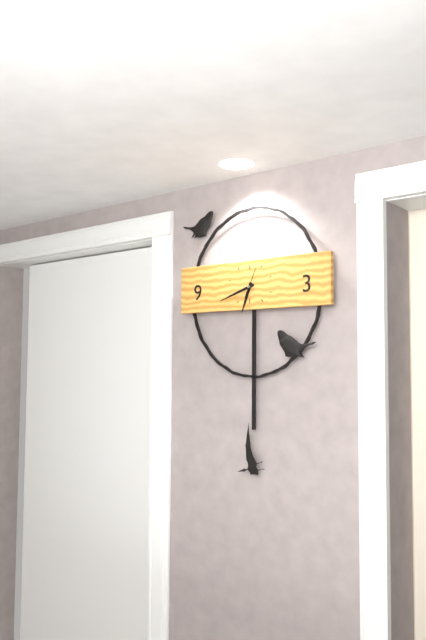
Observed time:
6:42
